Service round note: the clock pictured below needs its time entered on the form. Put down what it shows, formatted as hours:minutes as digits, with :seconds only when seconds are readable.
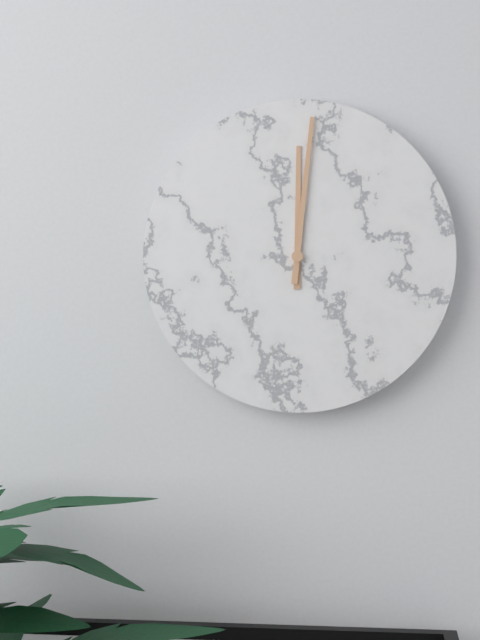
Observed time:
12:01
